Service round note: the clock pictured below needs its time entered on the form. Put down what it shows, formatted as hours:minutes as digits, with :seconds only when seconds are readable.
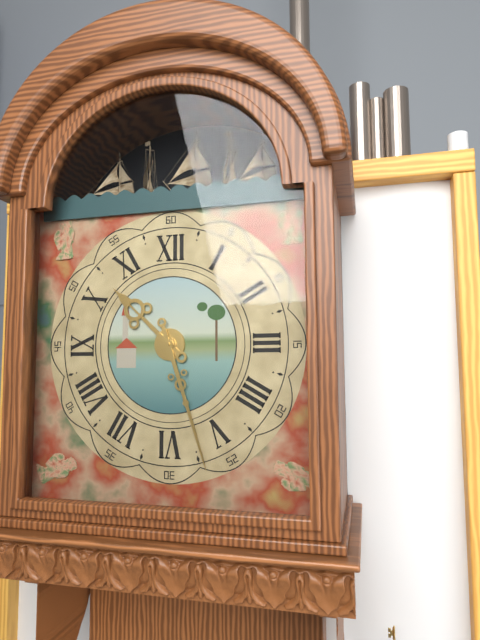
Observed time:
10:27
